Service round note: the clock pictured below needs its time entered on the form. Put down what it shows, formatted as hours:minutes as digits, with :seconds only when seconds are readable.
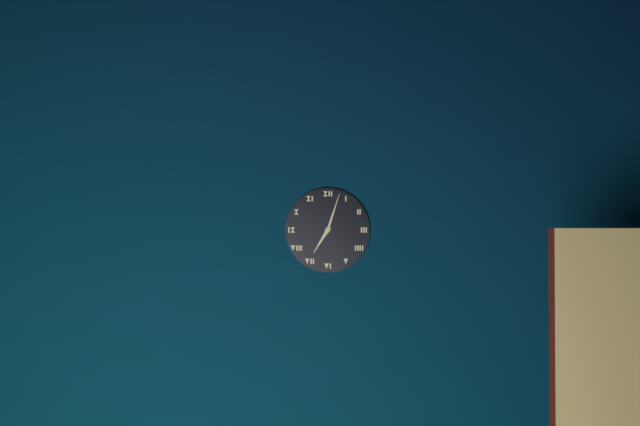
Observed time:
7:03
